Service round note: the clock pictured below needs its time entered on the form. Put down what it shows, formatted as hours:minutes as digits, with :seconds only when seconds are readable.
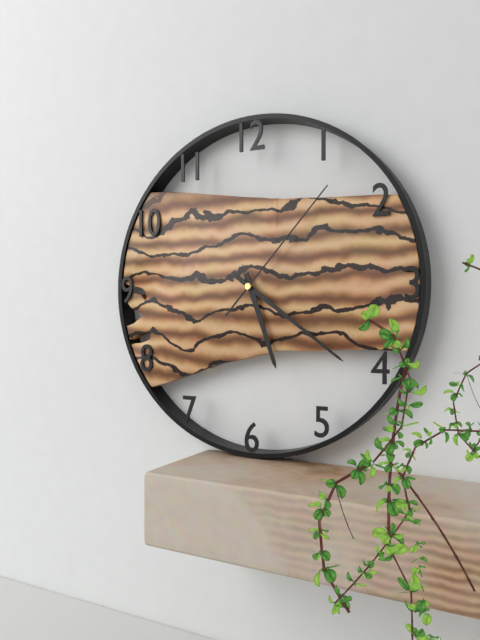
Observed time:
5:21:07
